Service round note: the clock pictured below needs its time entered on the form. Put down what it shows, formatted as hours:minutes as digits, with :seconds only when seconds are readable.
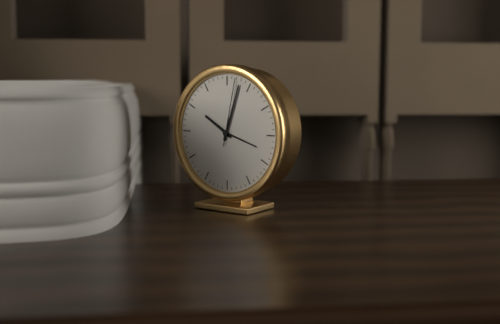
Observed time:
10:03:02
